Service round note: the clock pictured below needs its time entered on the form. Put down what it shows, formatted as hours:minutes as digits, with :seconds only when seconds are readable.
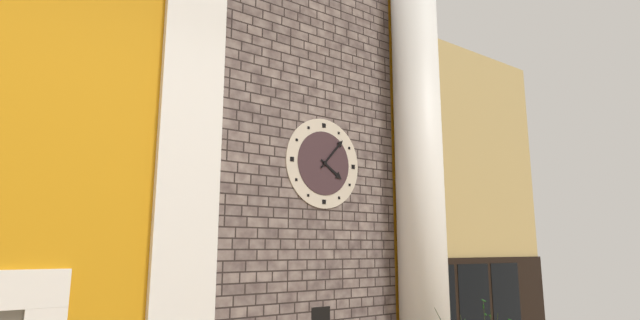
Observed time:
4:07
